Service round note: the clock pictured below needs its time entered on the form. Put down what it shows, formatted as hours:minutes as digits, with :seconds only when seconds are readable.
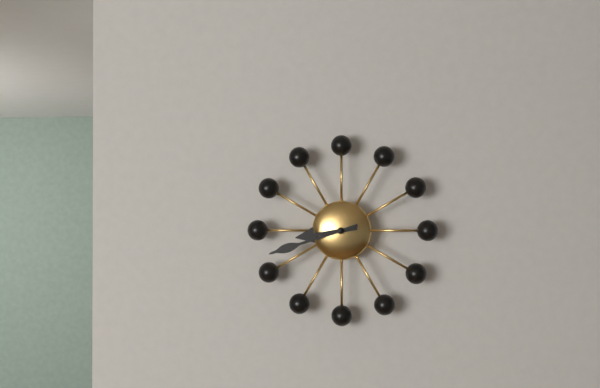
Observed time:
8:42
